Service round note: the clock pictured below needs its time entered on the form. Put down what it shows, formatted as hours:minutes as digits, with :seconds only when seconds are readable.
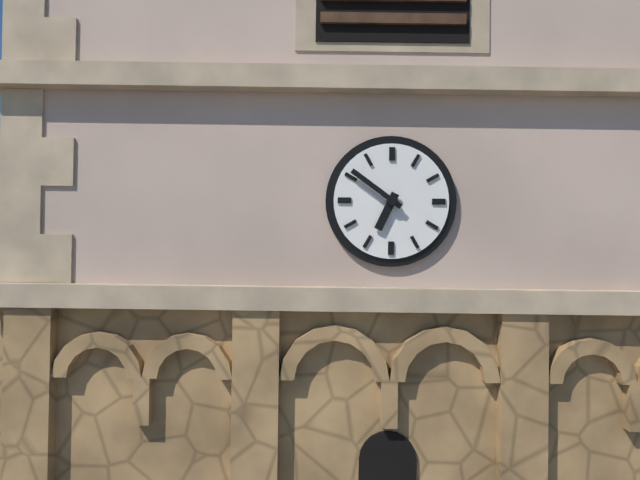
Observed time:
6:51
